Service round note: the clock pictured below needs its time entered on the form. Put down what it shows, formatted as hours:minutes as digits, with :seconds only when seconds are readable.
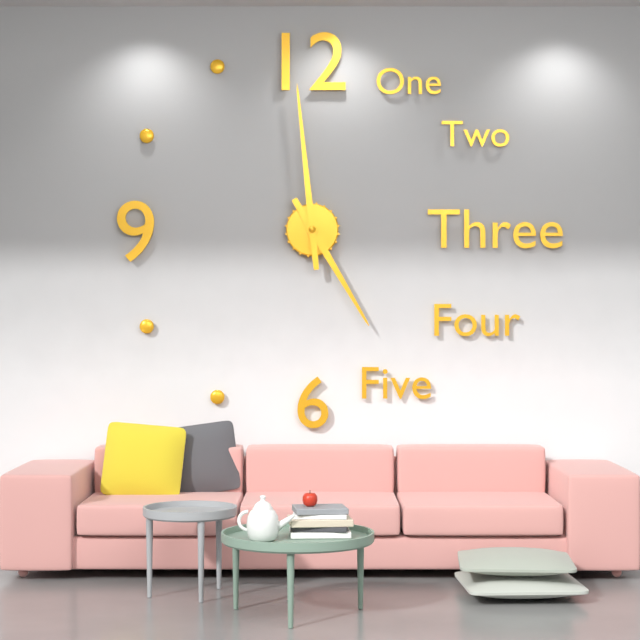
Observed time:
4:59
